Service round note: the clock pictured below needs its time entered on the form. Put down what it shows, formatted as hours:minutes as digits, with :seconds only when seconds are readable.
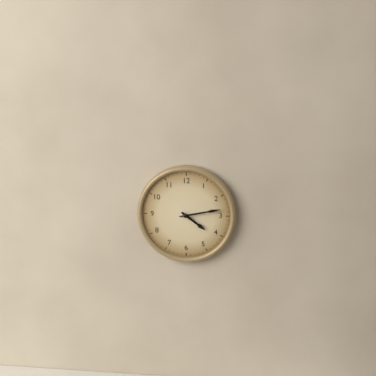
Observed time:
4:13
